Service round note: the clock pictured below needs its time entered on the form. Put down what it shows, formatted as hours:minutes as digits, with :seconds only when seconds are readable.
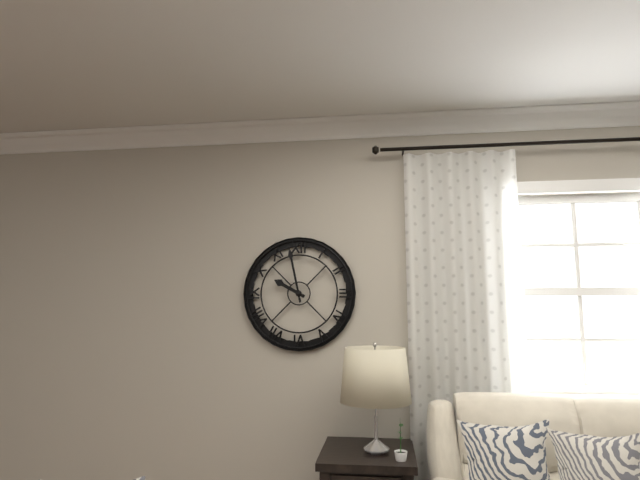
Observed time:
9:58
